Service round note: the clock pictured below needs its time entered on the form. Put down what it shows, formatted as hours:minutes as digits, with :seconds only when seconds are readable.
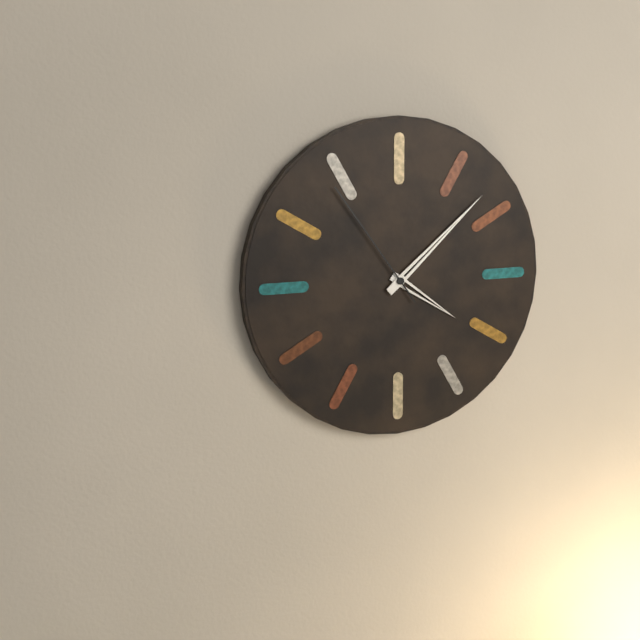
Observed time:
4:08:54
